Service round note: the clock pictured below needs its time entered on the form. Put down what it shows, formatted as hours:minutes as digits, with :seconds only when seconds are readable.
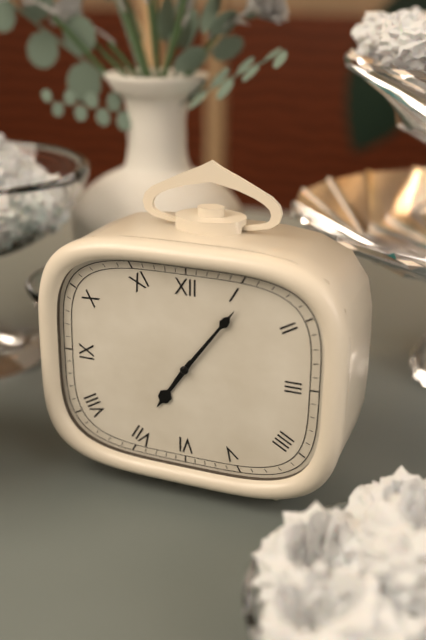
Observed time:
7:06
